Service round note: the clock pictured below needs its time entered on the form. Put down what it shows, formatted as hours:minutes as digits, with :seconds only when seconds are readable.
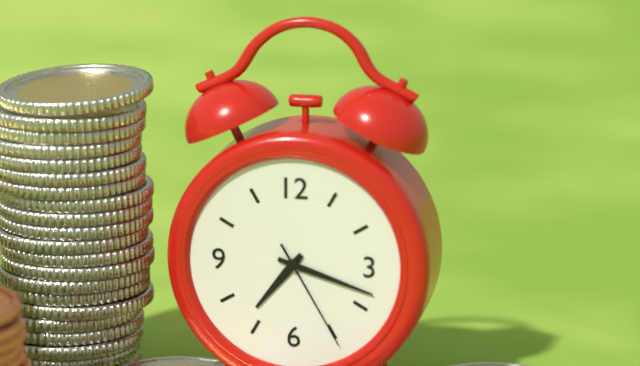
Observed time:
7:18:25
